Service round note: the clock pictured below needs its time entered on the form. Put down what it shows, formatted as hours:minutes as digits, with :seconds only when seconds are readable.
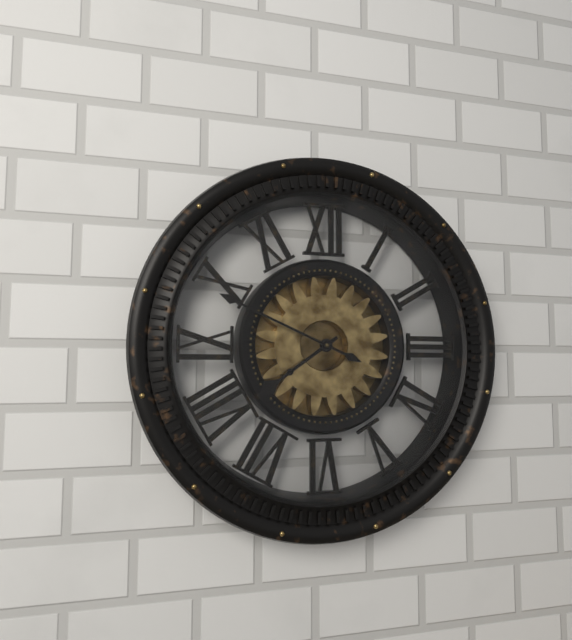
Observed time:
7:49
